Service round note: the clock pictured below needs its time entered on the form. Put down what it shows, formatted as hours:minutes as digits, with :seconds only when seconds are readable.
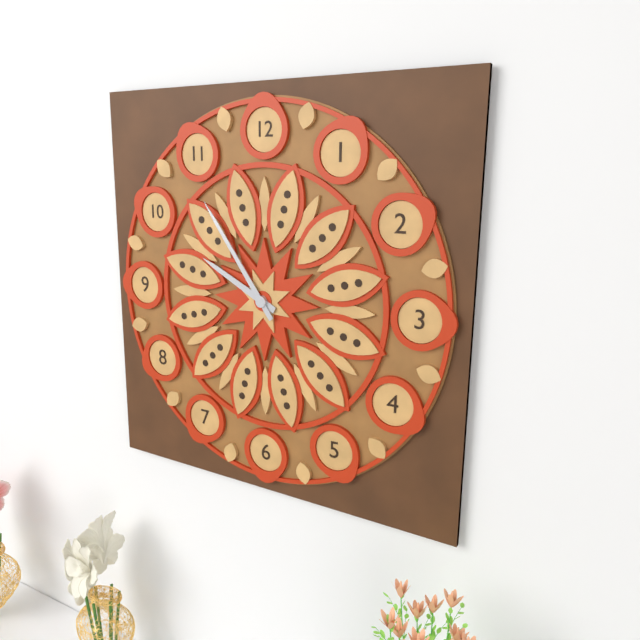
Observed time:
9:54
